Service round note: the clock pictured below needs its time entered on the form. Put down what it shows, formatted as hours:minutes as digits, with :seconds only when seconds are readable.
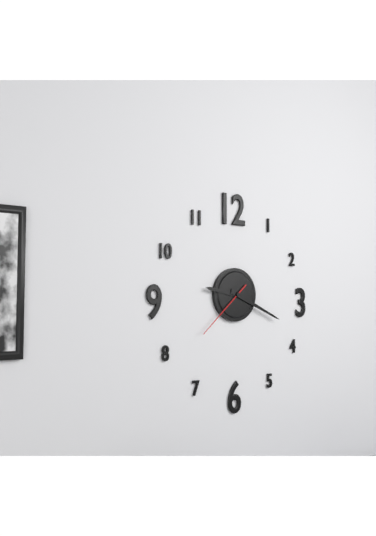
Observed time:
9:19:38
